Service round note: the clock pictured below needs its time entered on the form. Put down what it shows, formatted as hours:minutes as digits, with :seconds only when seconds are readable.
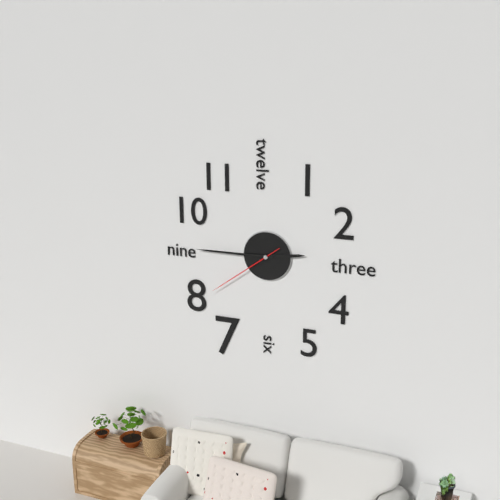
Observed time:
2:45:39
